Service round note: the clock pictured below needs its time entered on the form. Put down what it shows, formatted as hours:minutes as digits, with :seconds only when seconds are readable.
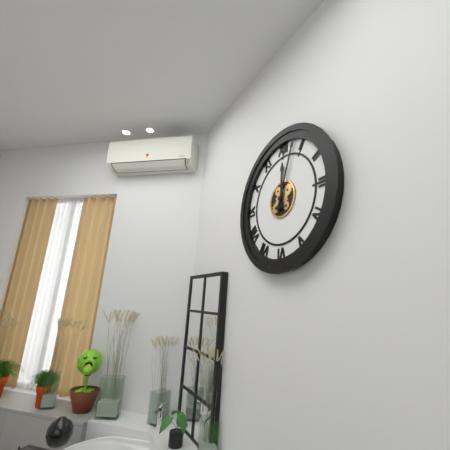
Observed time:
12:03
